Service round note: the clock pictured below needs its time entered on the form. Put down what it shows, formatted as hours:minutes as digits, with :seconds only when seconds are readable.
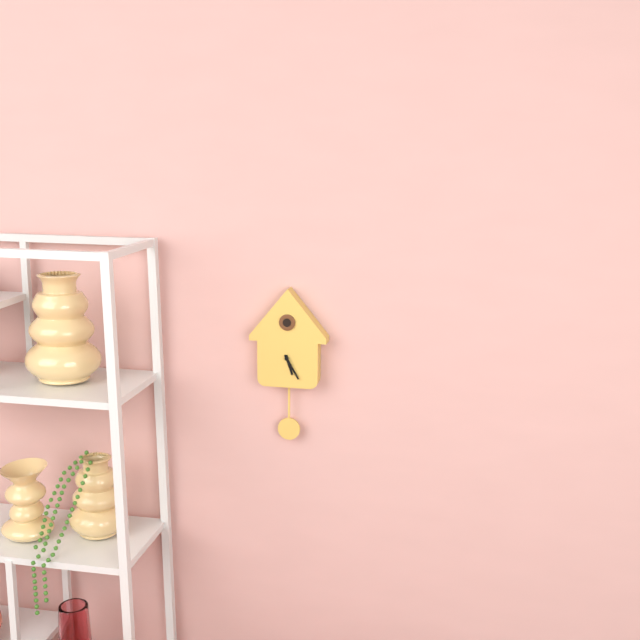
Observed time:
5:25
